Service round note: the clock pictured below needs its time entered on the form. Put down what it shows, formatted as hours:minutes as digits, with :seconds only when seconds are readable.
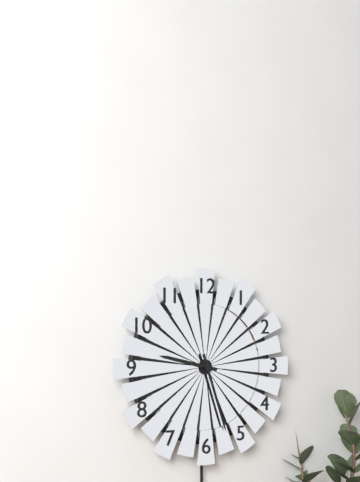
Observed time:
9:27
